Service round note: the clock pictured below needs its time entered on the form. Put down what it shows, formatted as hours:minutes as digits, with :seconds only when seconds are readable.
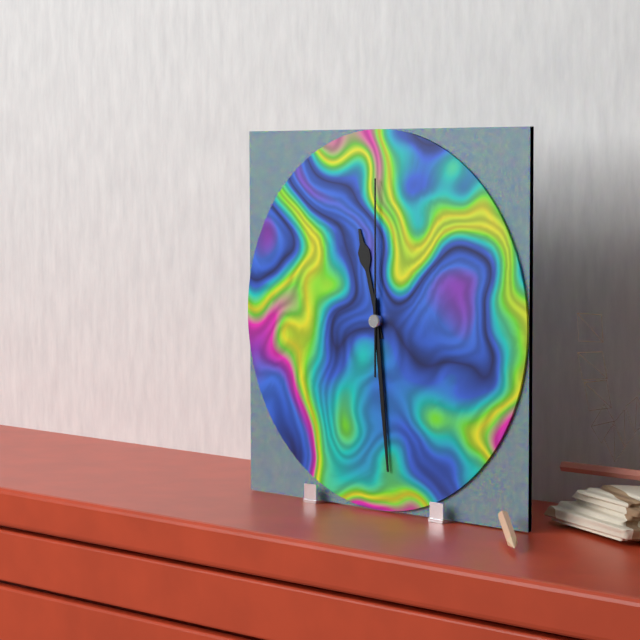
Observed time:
11:29:00
